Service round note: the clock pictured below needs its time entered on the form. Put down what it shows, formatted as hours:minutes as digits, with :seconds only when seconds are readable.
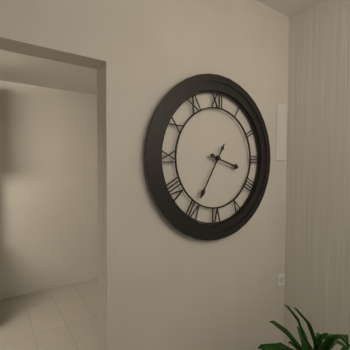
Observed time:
3:35
